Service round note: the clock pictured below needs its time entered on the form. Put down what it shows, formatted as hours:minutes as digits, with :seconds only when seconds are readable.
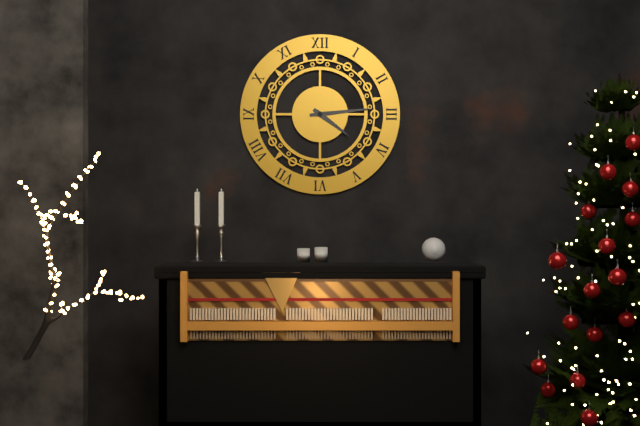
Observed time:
4:14
